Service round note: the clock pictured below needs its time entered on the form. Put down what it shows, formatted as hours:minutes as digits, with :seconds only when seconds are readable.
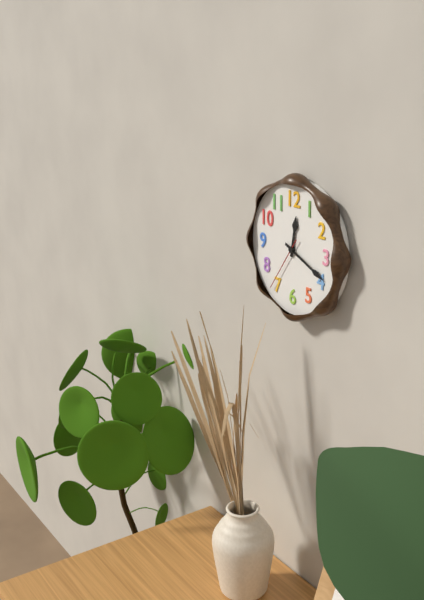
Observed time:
12:19:36
